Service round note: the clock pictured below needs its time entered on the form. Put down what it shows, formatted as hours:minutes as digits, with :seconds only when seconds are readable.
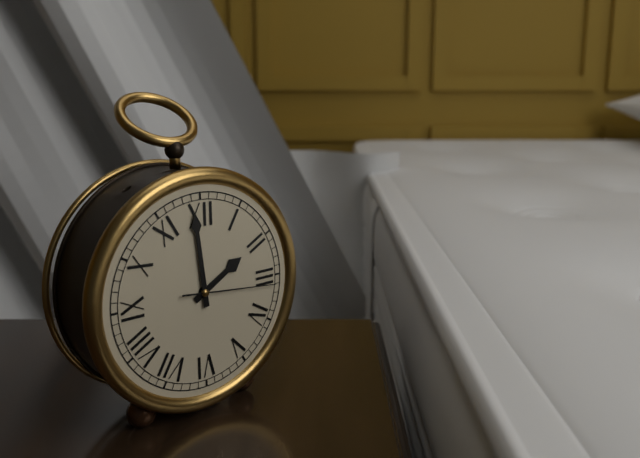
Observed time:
1:59:16
